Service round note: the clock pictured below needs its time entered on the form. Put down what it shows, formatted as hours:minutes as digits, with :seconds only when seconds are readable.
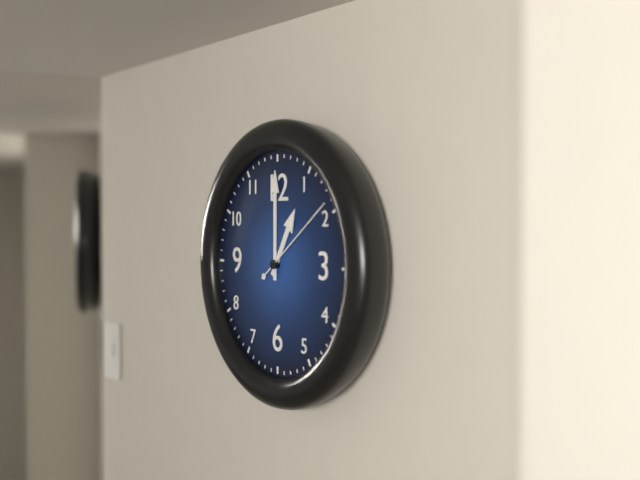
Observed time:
1:00:09
